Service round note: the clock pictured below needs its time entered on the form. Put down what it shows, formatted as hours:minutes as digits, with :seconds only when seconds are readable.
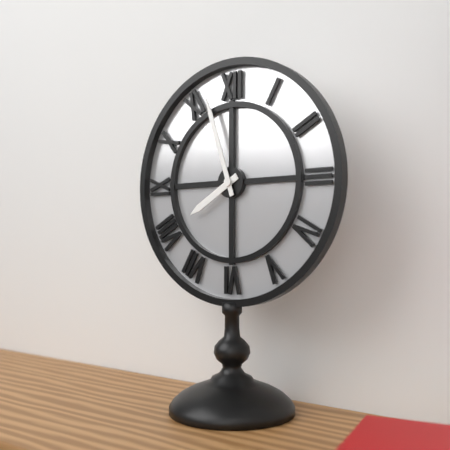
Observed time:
7:57
